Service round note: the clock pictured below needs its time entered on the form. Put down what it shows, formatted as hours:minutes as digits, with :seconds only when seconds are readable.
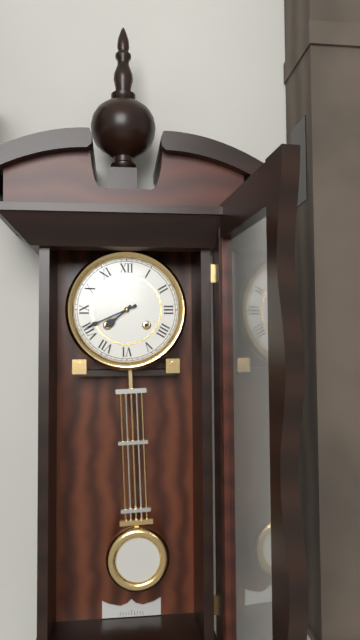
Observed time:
7:41
